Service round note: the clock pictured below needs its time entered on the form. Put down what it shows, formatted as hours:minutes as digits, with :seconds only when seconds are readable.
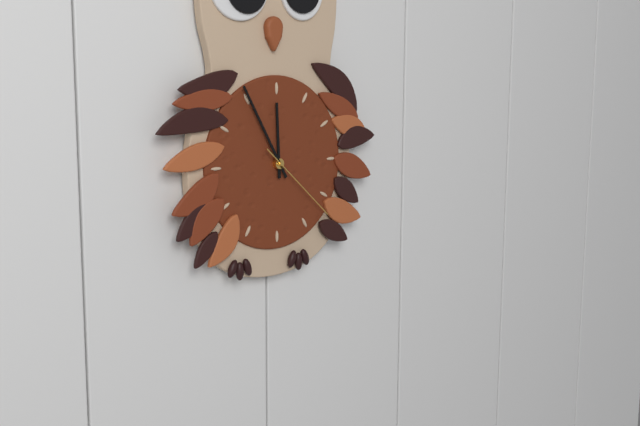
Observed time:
11:55:22
